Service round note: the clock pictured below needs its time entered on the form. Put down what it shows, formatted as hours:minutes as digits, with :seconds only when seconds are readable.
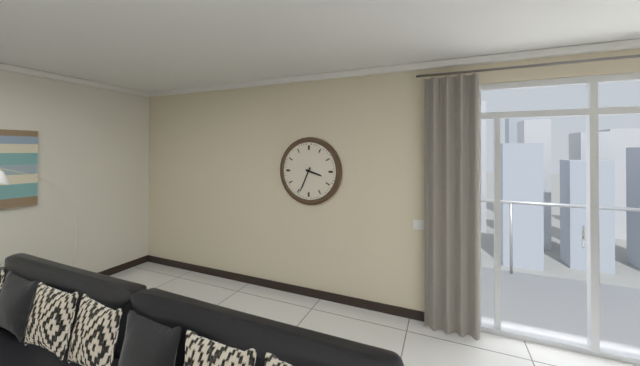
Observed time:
3:34
